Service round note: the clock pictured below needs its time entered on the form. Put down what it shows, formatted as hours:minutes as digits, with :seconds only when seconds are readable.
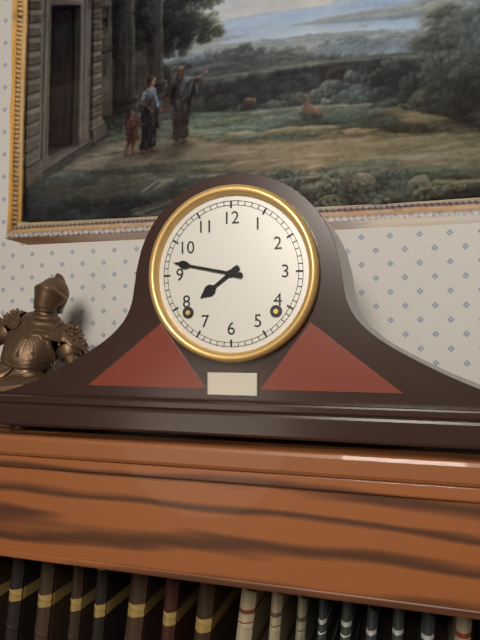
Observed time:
7:47
